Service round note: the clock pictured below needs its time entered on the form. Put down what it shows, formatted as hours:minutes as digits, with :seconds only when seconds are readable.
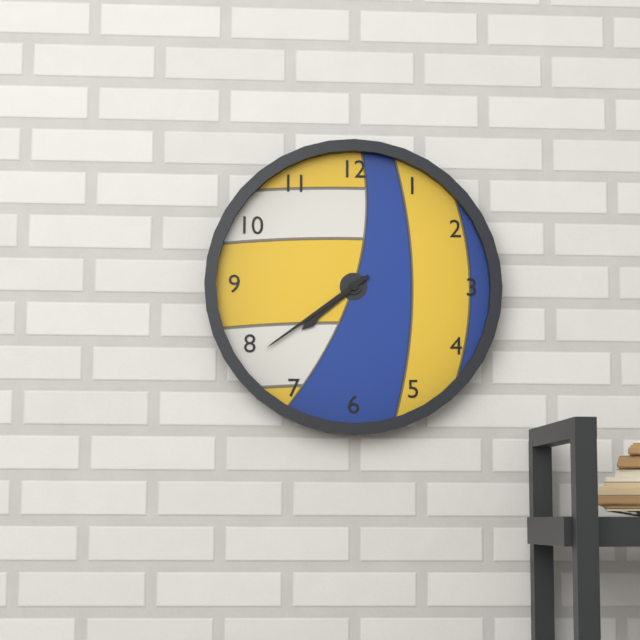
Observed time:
7:39
